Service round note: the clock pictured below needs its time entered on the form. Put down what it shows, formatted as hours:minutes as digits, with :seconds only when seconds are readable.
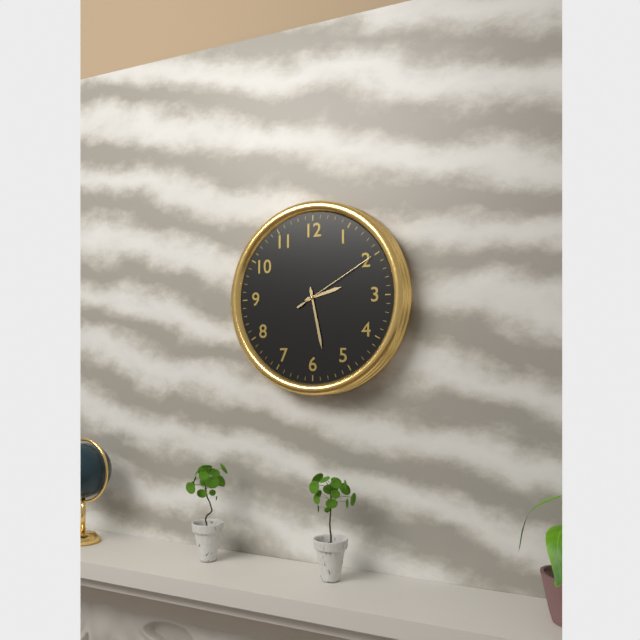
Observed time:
2:28:10
